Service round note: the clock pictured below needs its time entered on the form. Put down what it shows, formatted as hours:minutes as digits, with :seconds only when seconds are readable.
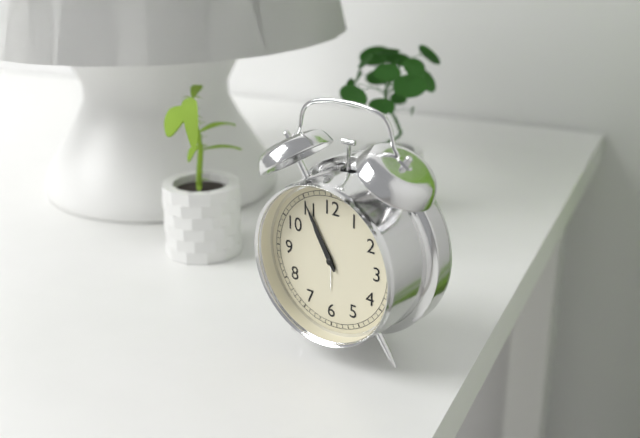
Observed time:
10:55
